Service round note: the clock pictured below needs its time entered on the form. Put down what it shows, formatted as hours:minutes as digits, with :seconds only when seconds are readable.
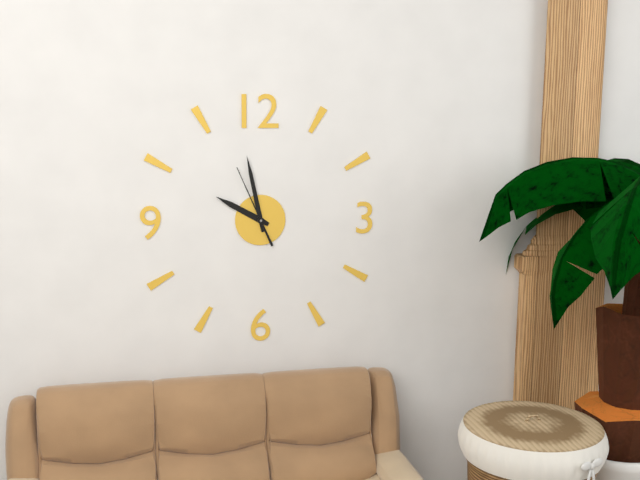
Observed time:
9:58:56
